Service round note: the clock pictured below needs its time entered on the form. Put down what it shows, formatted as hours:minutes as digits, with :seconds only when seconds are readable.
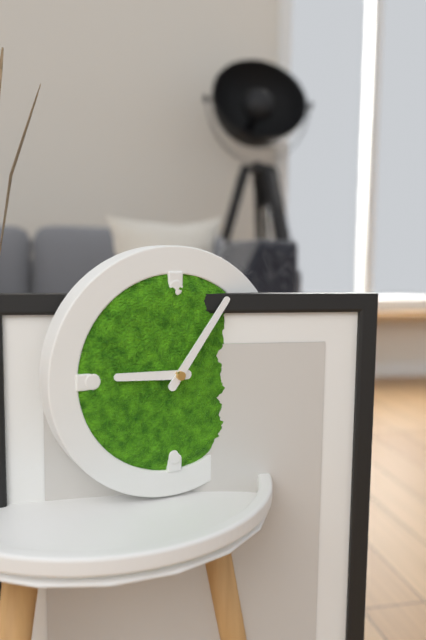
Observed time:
9:06
